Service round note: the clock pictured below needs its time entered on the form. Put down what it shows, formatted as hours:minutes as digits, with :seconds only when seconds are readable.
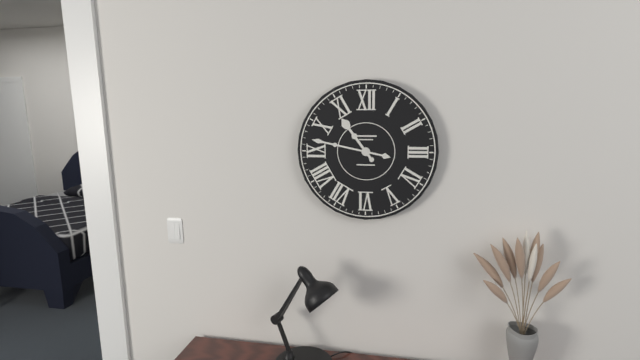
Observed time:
10:47
